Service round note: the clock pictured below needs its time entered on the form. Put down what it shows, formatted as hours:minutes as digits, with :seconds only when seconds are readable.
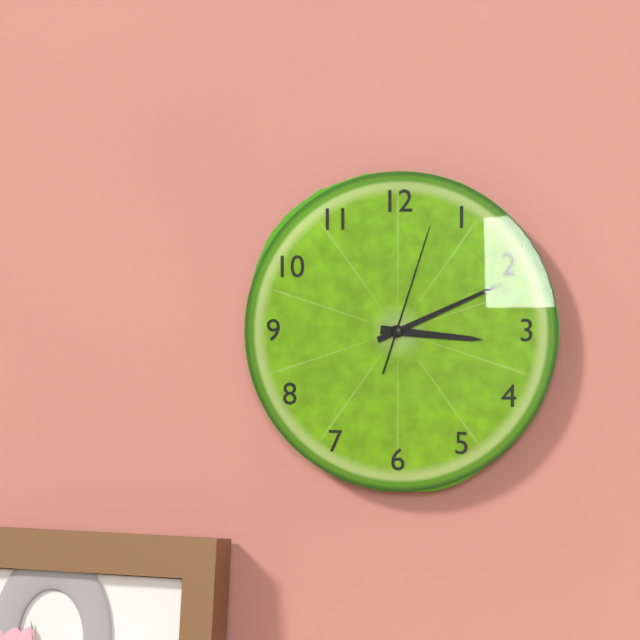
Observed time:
3:11:03
